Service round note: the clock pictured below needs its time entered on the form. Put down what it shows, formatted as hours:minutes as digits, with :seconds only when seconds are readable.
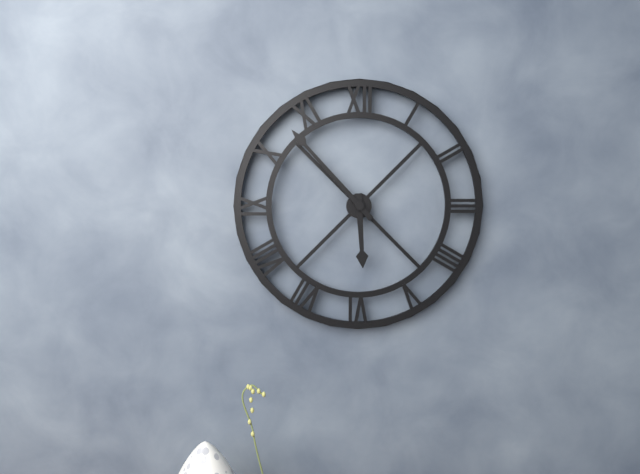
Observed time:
5:53
